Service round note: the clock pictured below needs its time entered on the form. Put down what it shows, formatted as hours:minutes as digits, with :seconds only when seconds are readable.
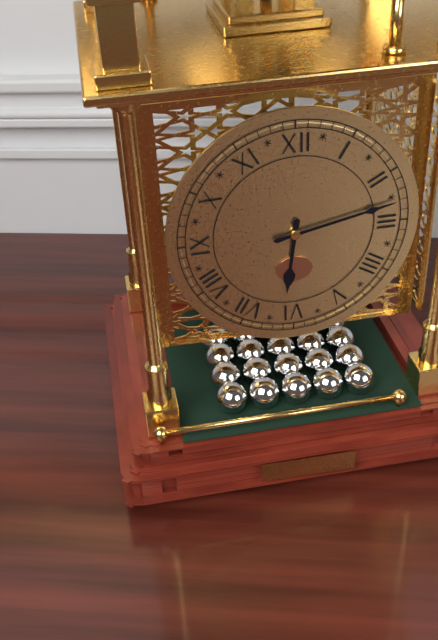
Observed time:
6:13
